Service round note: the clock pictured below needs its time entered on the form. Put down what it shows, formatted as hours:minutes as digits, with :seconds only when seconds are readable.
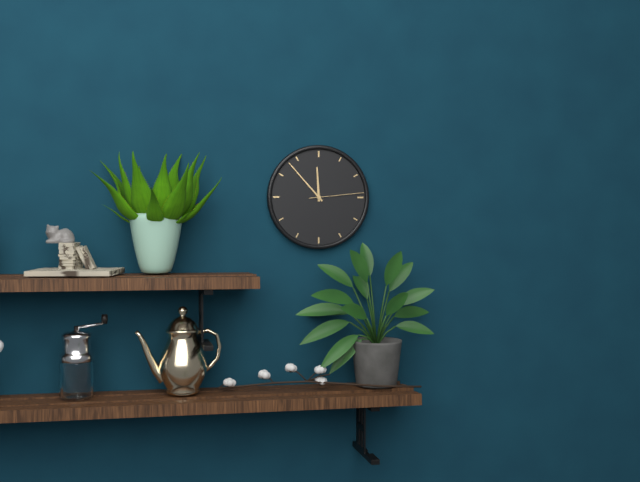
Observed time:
11:53:14
